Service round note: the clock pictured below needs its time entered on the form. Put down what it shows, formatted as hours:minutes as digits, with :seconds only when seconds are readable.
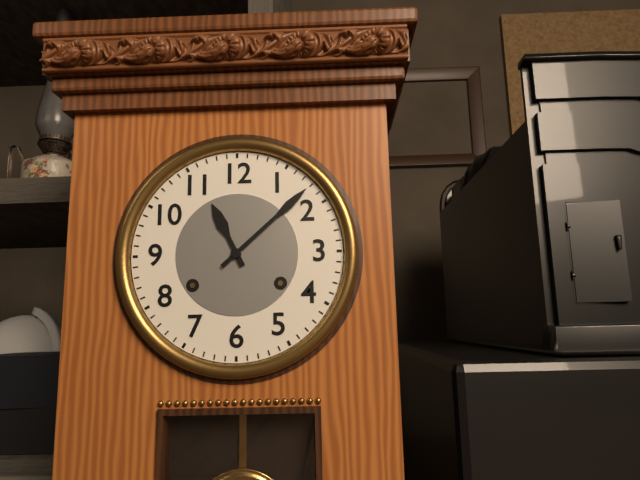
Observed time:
11:08
